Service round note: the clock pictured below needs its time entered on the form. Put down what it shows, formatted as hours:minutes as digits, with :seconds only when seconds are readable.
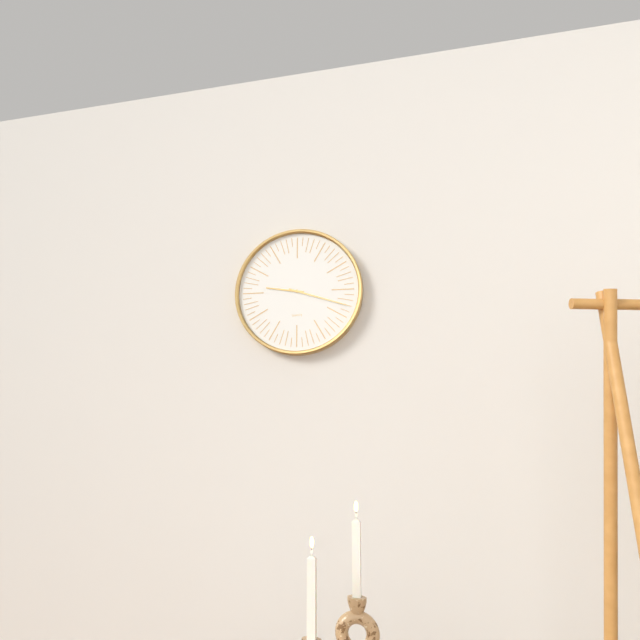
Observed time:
9:18
